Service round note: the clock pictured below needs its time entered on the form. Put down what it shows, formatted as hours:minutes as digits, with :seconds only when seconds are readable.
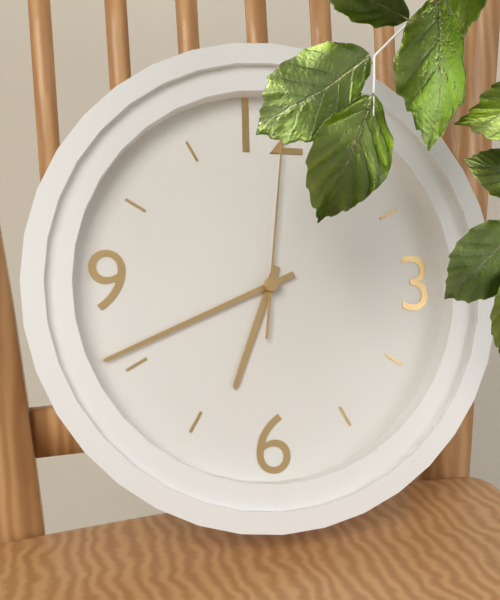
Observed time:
6:41:01
